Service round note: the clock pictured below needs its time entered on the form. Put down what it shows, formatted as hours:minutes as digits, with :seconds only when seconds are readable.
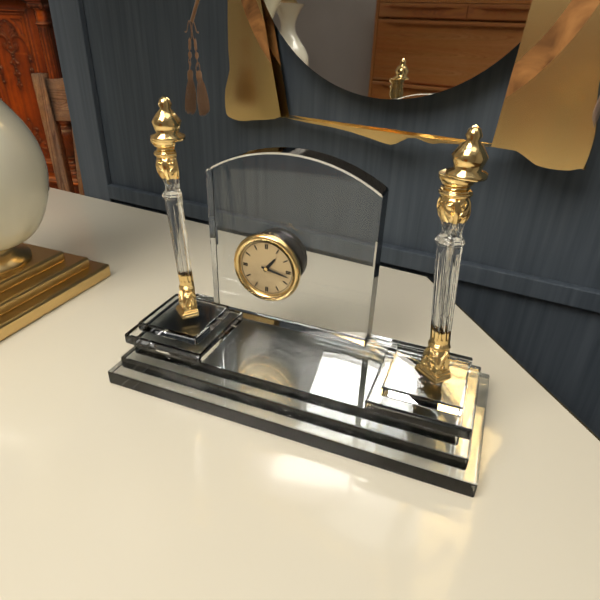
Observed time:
1:17
